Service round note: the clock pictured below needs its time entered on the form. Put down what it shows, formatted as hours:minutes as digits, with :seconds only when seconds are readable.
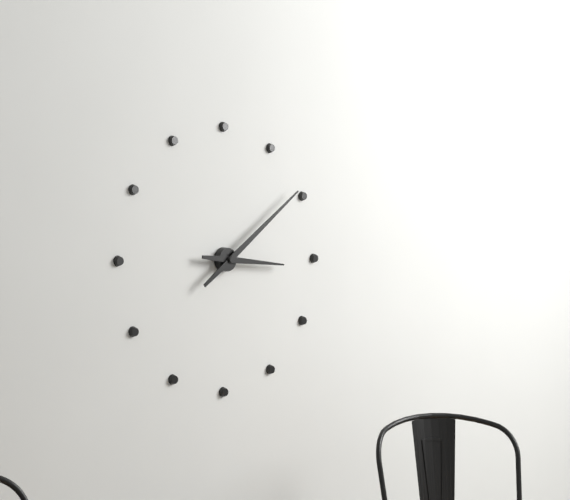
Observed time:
3:09
